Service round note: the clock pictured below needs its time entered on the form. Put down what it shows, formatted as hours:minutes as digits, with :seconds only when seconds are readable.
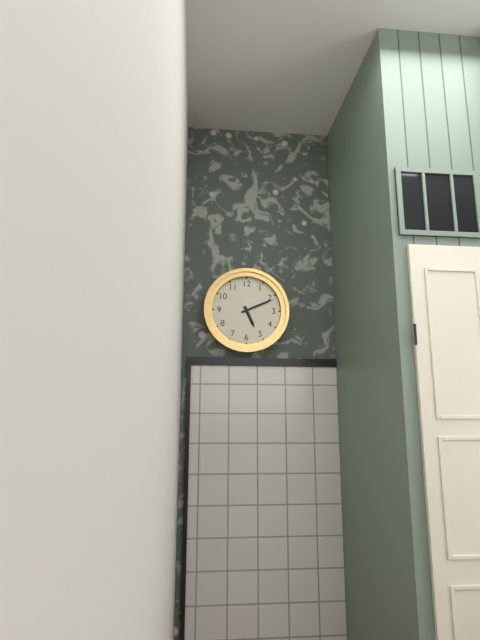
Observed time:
5:11
